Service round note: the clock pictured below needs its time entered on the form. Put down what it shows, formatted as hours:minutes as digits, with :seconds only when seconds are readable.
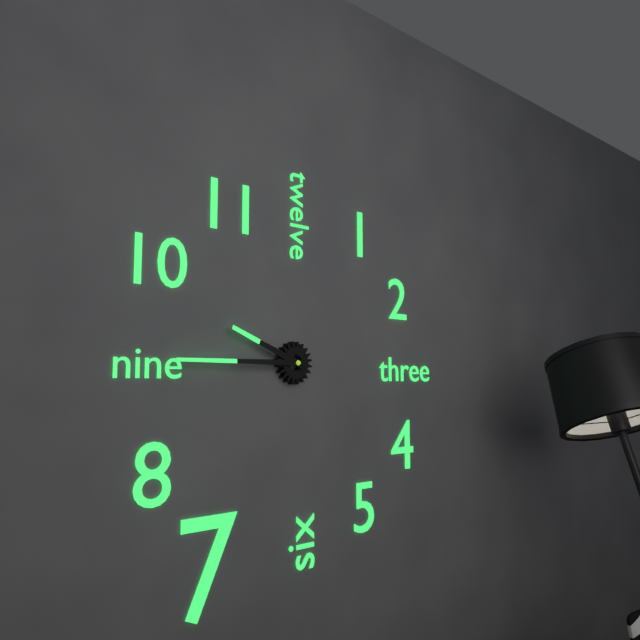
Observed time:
9:45
